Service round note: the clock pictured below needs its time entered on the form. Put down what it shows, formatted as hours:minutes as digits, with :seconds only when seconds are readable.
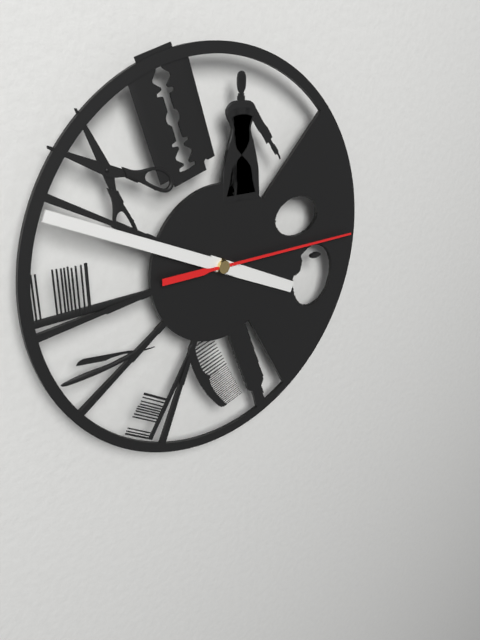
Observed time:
3:49:15
